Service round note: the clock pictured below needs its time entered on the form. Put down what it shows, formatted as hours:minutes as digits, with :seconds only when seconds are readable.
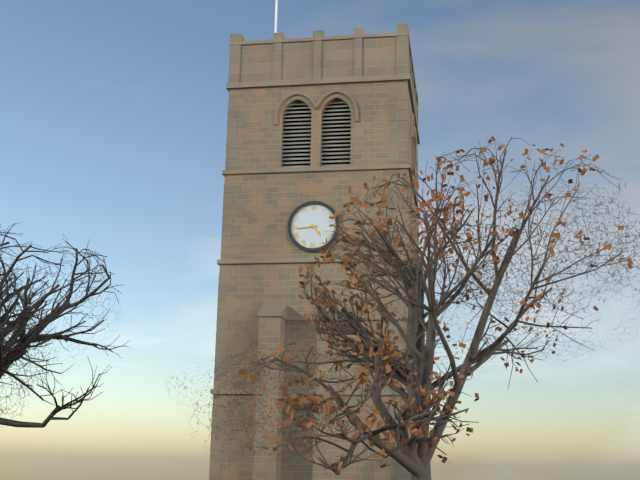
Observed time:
4:44
